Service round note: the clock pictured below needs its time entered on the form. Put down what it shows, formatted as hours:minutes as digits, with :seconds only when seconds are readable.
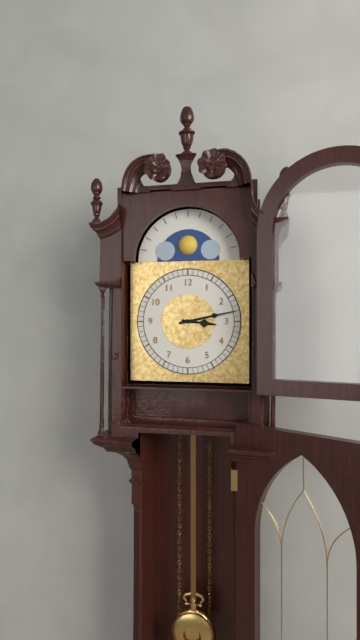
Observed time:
3:13
